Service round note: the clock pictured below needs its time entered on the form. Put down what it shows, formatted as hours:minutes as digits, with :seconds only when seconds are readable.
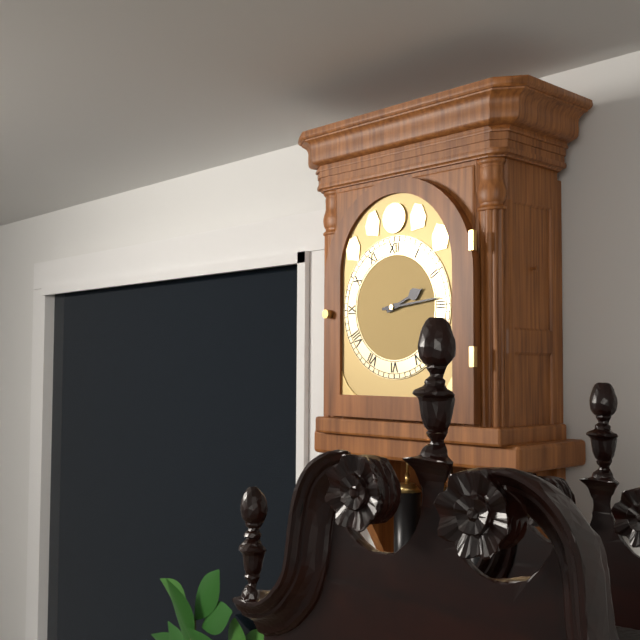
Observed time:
2:14
